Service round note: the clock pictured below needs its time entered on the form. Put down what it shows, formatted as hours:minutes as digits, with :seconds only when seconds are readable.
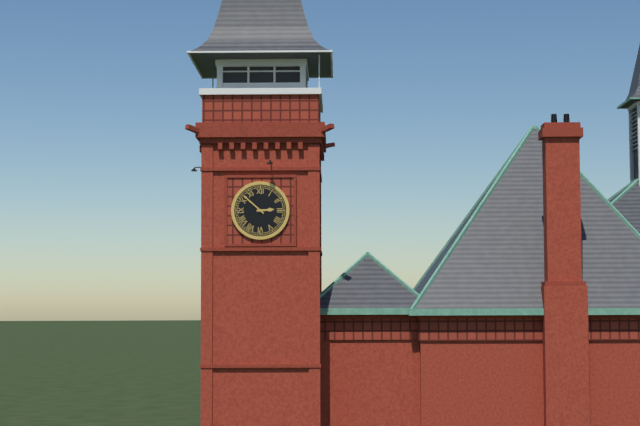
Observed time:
2:52
